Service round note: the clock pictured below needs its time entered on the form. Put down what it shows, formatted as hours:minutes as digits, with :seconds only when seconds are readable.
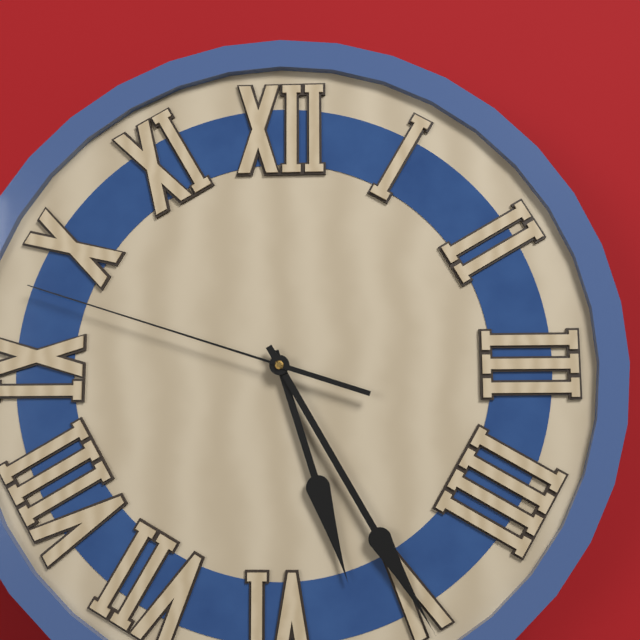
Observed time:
5:25:48
